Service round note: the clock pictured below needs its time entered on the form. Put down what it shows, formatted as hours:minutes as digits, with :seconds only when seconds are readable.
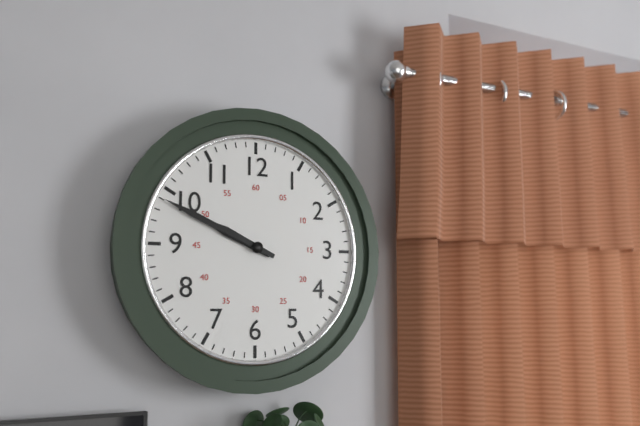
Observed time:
9:49
